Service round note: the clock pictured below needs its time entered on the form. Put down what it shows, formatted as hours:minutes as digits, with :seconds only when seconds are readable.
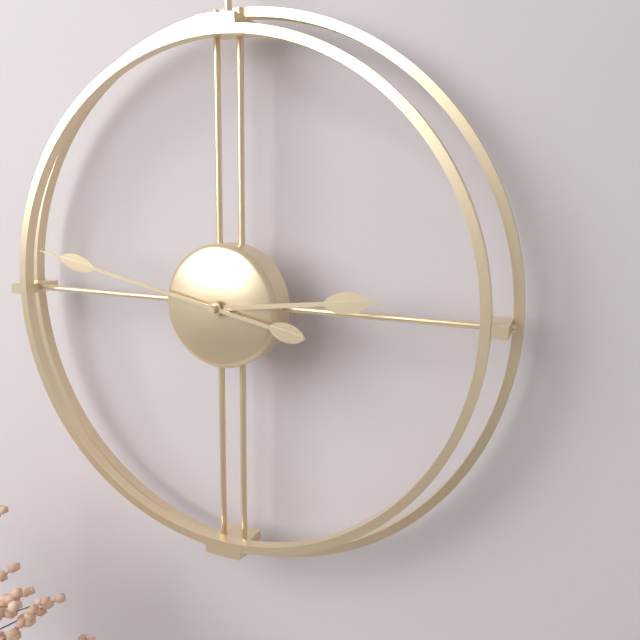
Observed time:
2:47
